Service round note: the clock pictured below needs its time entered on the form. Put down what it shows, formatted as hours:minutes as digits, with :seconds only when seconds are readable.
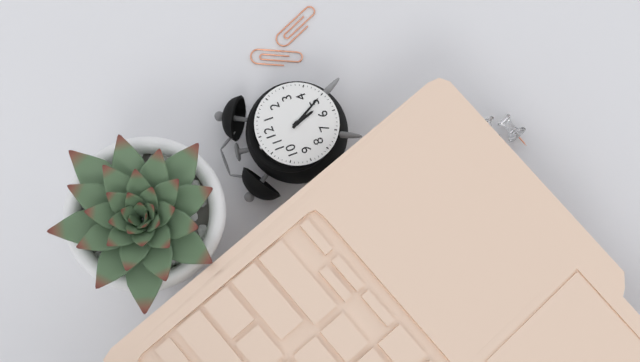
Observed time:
5:25
